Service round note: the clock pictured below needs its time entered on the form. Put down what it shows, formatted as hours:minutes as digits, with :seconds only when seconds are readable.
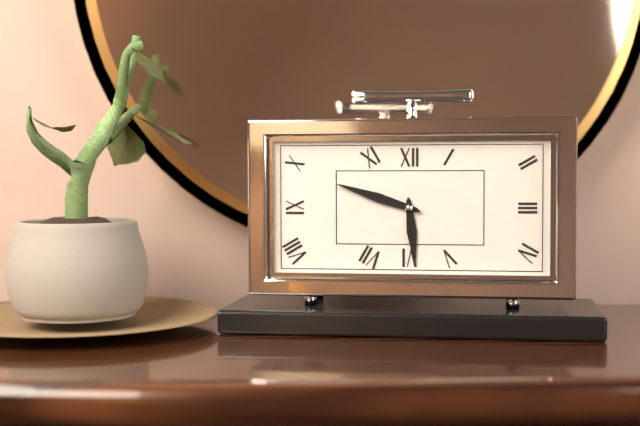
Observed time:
5:48
